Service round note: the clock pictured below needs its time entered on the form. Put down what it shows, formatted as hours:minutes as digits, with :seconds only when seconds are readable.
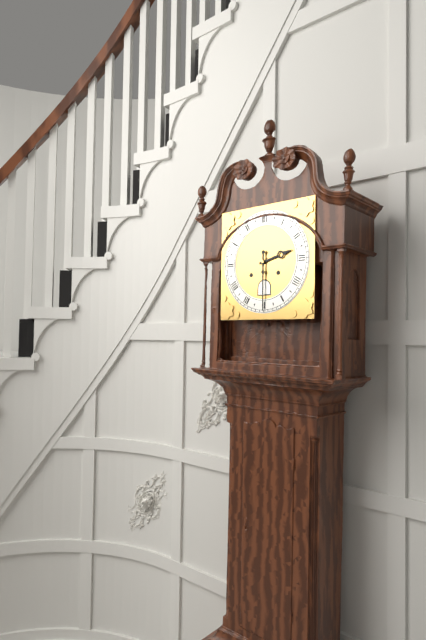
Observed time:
2:30
